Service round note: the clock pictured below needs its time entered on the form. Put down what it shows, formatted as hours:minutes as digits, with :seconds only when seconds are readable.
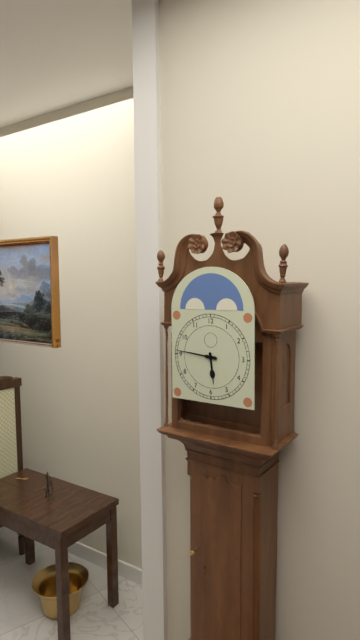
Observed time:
5:46
